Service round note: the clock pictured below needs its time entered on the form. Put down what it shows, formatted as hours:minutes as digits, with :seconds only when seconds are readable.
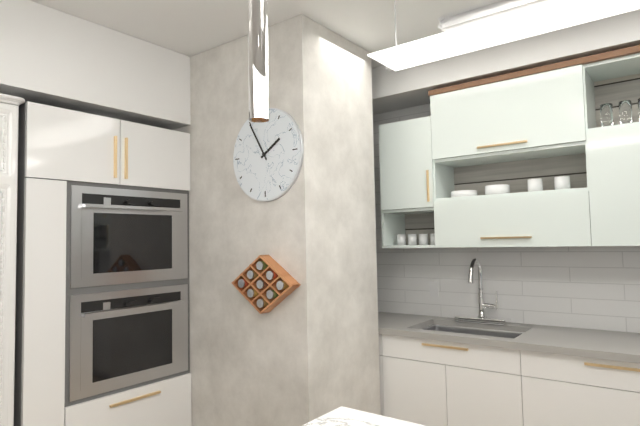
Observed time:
1:55
